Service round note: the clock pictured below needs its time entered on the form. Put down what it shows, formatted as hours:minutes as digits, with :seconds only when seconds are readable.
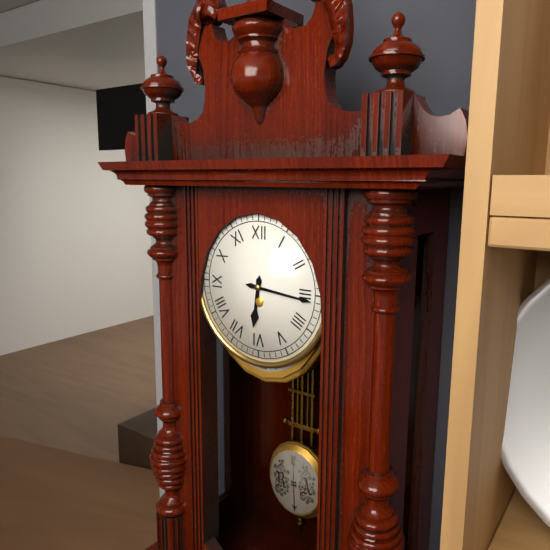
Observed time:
6:16
